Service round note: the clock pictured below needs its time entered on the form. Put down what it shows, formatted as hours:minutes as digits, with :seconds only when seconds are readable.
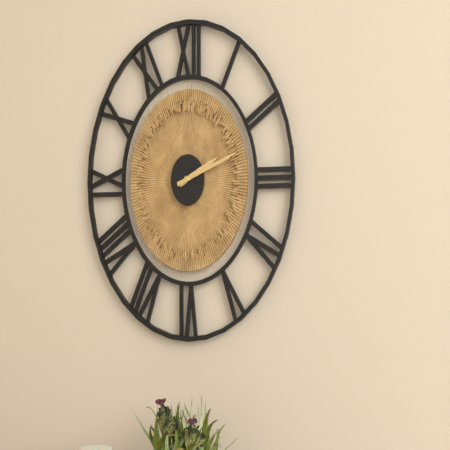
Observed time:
2:12
